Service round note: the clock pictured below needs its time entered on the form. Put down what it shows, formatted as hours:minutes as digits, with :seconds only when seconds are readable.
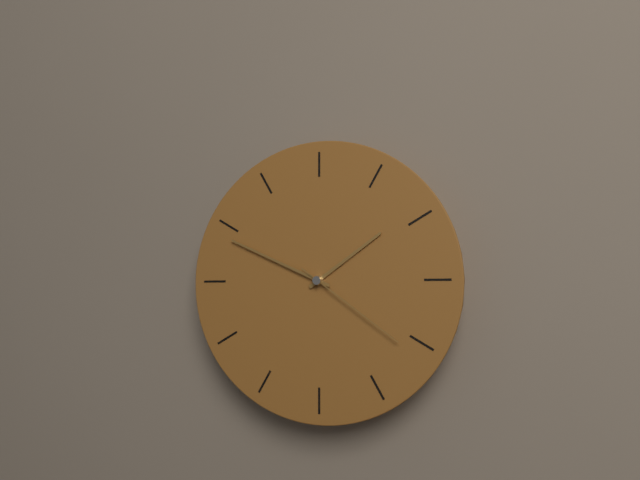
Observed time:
1:49:21
